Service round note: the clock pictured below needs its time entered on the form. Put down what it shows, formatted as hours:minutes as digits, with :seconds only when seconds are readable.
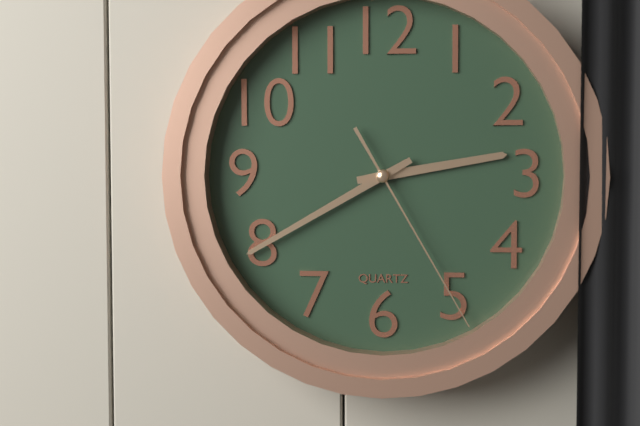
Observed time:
2:40:25
